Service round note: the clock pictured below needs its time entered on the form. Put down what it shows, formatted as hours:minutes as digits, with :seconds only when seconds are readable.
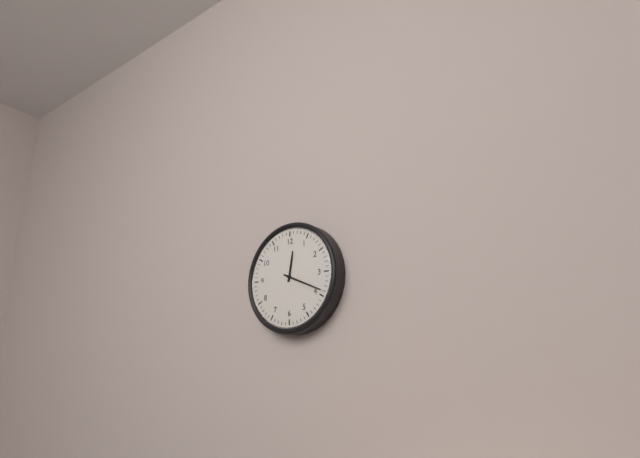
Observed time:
12:19
